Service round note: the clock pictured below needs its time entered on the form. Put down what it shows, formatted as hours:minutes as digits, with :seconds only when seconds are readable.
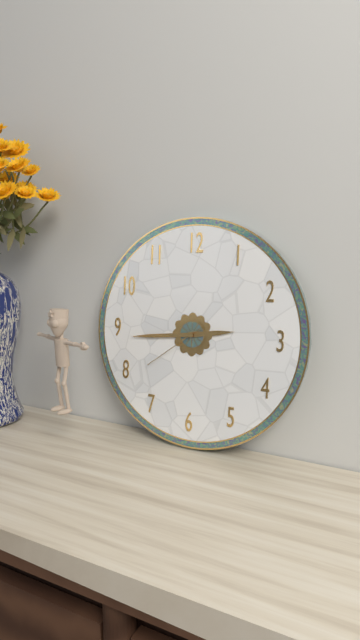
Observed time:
2:44:39
